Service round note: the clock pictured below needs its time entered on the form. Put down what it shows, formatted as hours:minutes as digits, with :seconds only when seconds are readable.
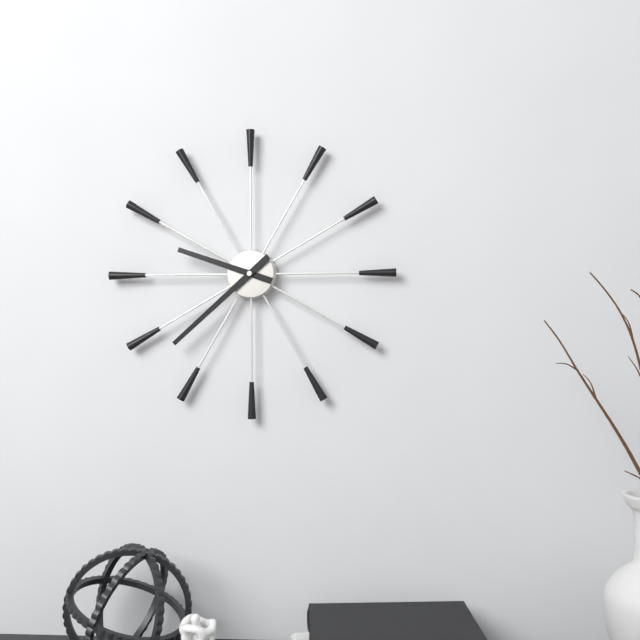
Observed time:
9:38
